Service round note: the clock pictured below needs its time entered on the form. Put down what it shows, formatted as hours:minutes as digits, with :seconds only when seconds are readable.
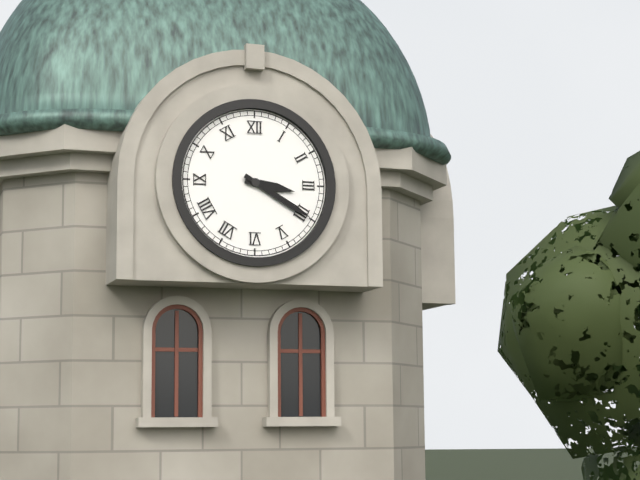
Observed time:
3:20
